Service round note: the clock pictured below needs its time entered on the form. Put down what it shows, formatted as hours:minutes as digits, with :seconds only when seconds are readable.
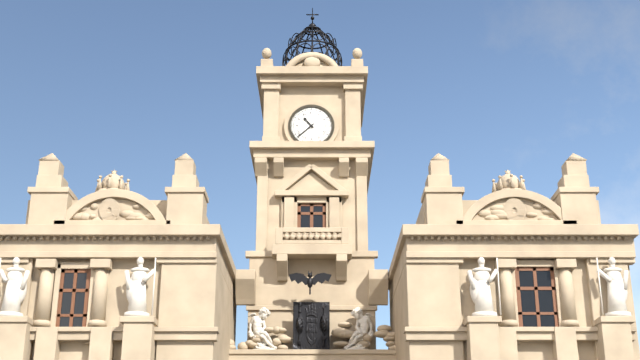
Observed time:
10:38
